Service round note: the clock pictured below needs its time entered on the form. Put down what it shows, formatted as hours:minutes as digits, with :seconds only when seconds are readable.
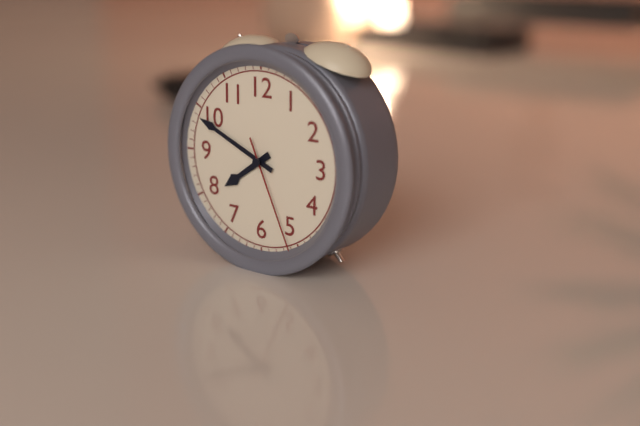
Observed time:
7:49:26
